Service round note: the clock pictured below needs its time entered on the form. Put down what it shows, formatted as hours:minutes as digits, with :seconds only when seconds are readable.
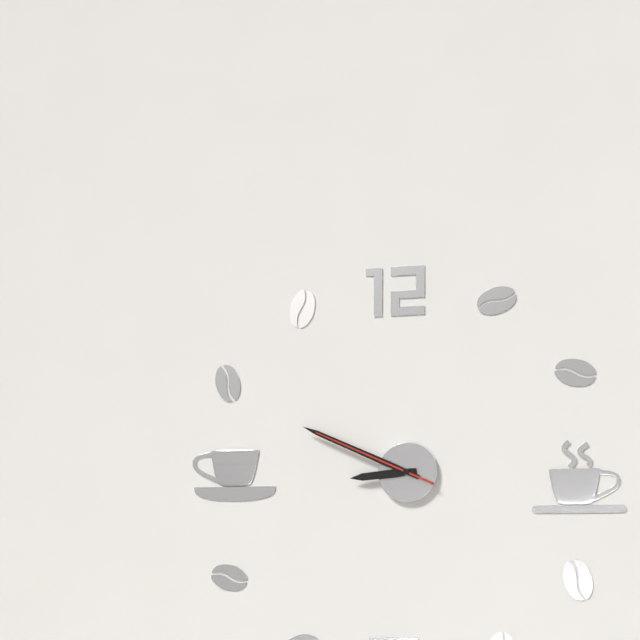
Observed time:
8:49:49
